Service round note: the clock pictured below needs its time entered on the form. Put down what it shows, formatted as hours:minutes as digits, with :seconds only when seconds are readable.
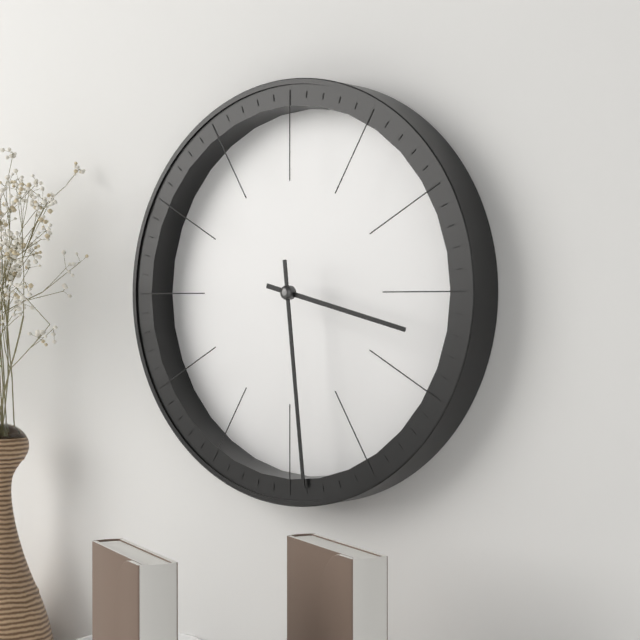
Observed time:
3:29
